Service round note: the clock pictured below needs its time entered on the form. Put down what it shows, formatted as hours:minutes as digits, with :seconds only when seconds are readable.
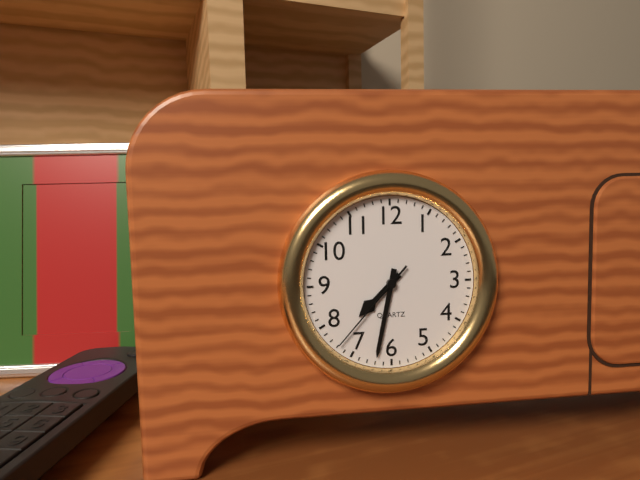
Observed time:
7:32:37
